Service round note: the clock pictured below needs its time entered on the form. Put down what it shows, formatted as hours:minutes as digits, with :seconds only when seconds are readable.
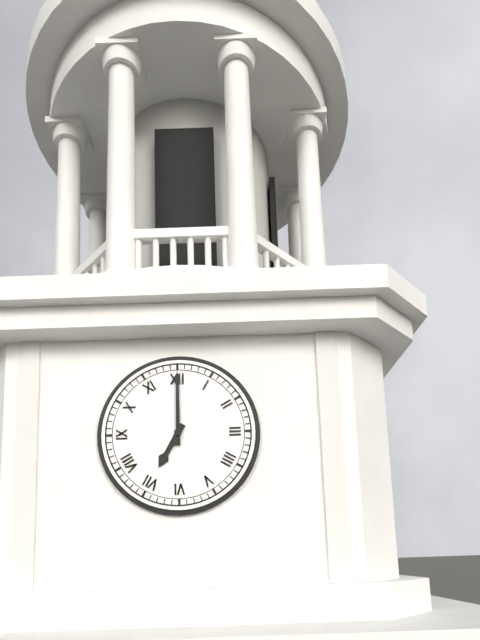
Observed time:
7:00
